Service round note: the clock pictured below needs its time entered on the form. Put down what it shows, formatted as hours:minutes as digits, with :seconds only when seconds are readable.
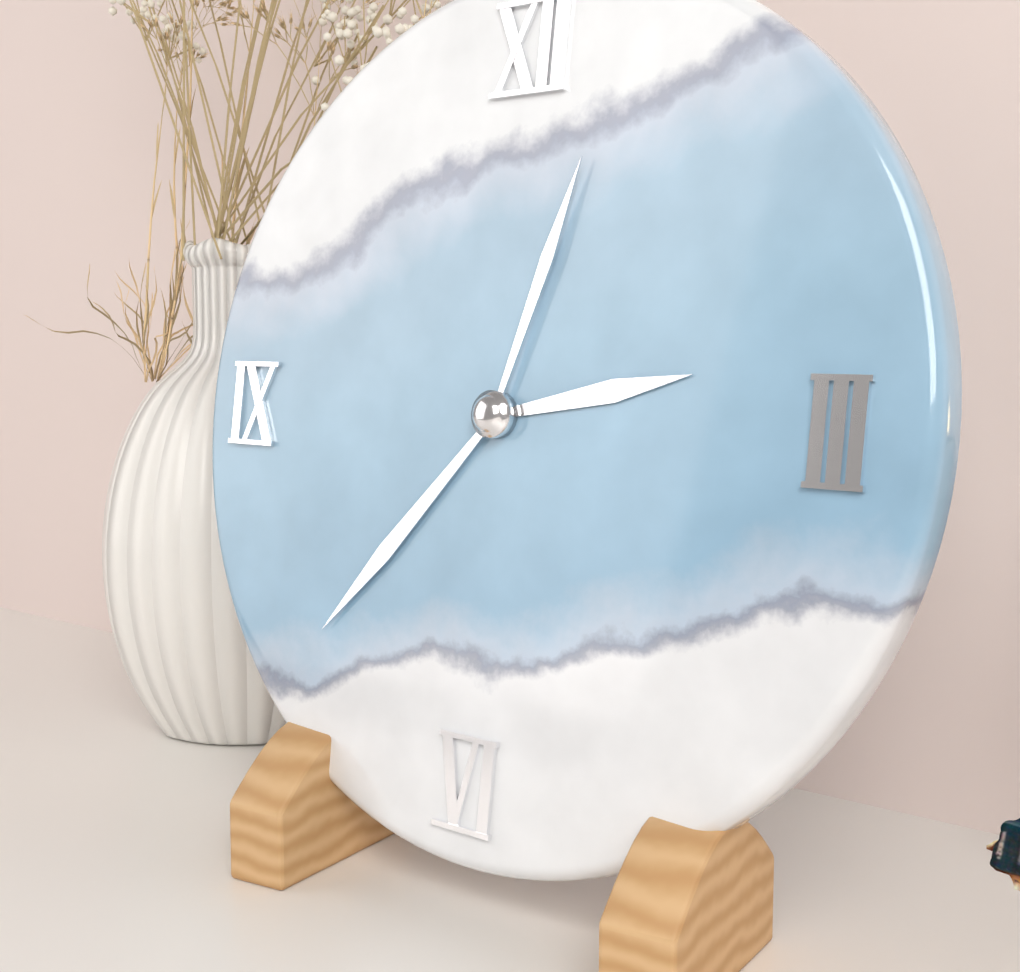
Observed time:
2:37:03
